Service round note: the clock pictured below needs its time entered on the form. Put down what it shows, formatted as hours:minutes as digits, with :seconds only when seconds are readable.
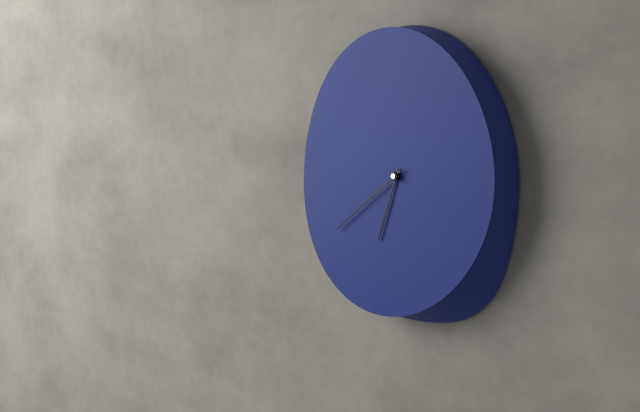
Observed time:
6:39
